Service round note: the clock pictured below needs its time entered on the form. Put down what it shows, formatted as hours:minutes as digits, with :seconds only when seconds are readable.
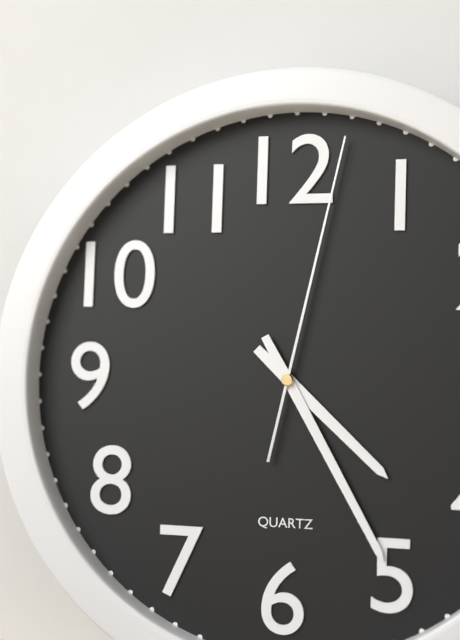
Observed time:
4:25:02
